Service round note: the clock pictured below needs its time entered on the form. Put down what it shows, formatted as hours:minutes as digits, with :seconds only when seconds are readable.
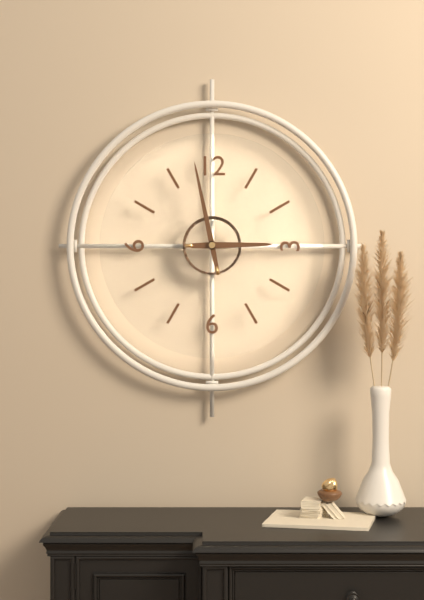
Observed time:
2:58
